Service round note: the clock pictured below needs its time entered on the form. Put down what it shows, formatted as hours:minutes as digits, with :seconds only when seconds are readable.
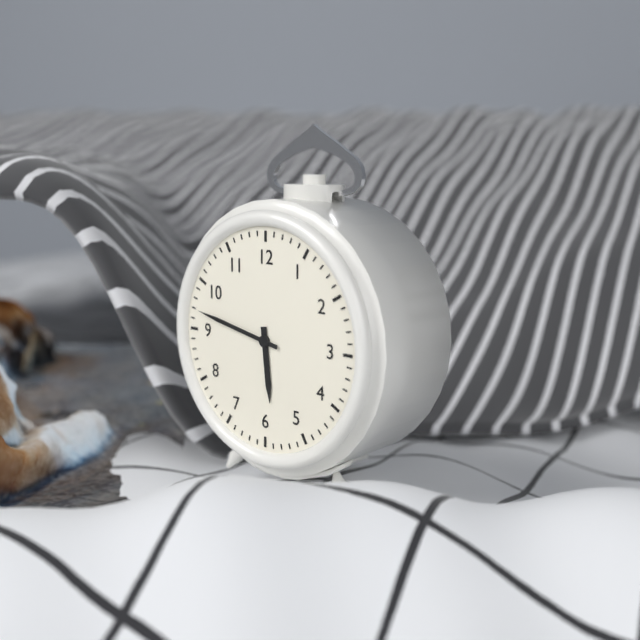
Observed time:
5:47
